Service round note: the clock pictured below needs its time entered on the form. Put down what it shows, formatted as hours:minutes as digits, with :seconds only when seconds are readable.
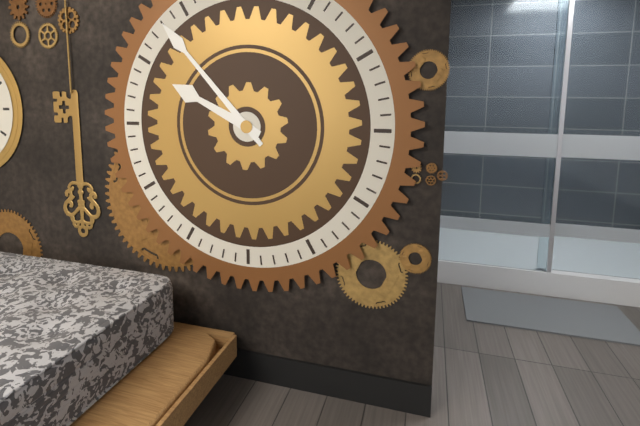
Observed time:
9:53
